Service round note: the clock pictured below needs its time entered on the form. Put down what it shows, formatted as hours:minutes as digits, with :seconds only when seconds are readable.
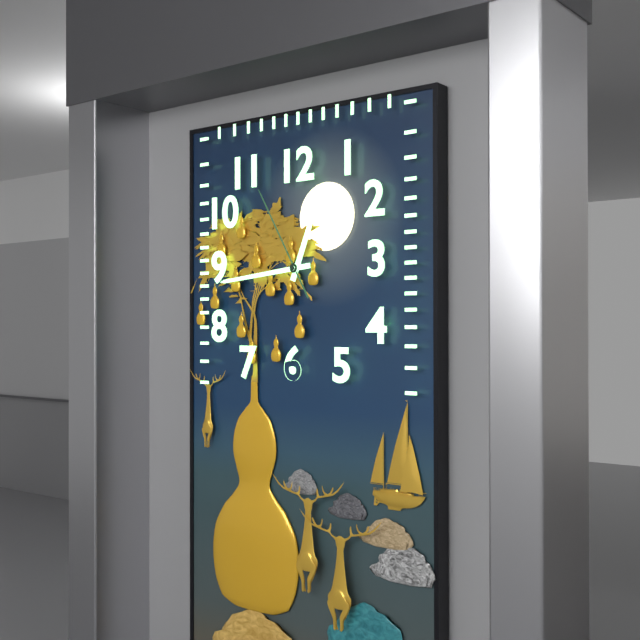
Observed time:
12:44:55
